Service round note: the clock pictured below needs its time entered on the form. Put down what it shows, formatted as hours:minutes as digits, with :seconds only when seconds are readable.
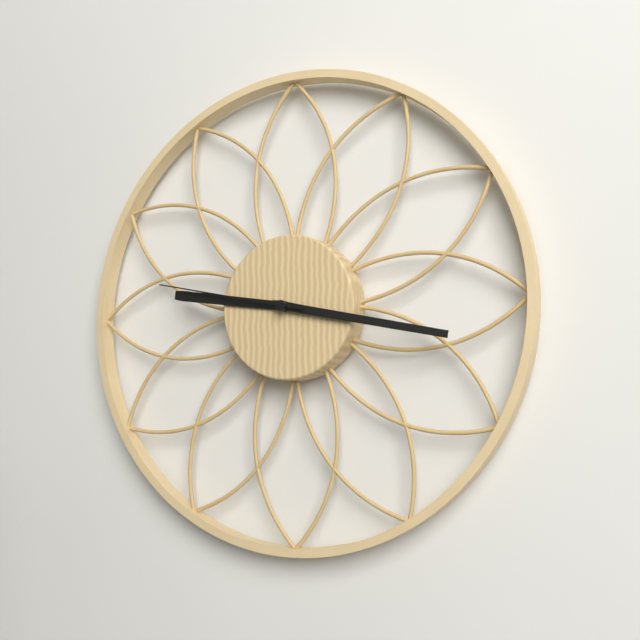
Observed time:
9:17:47
